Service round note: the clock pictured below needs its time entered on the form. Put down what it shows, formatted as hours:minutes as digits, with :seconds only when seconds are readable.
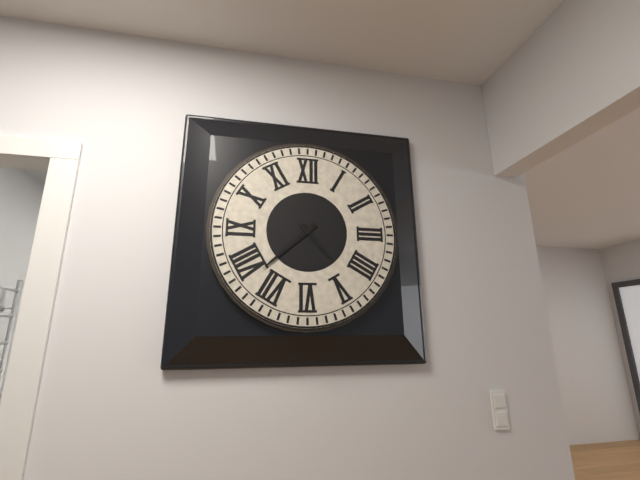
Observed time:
4:38
